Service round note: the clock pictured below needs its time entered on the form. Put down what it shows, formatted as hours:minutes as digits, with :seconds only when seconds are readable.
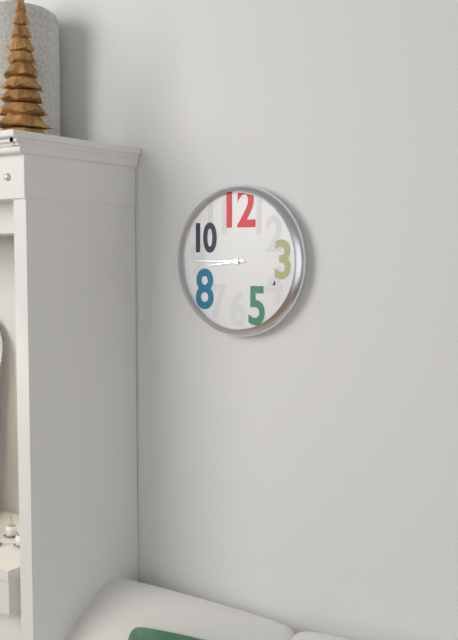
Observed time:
8:45
